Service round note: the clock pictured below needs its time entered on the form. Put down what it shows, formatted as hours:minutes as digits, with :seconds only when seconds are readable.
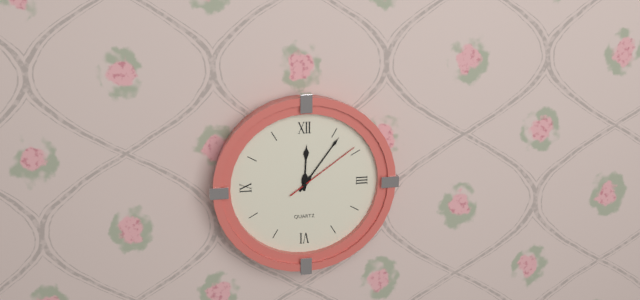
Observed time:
12:06:09
